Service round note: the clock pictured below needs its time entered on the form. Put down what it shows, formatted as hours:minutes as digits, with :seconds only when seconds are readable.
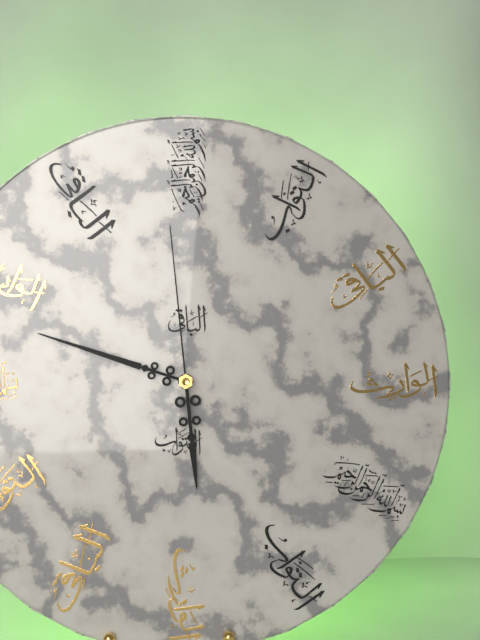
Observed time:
5:48:59
